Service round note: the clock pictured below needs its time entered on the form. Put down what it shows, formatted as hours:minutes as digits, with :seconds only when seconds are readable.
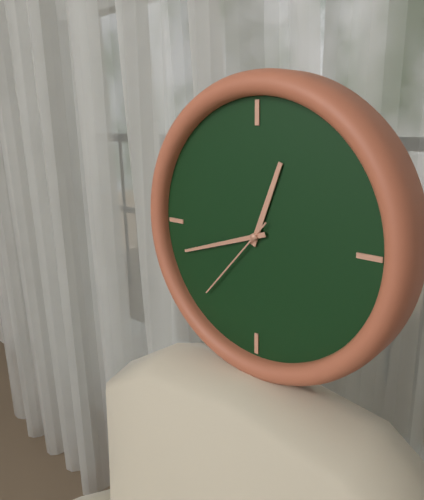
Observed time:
12:42:37
